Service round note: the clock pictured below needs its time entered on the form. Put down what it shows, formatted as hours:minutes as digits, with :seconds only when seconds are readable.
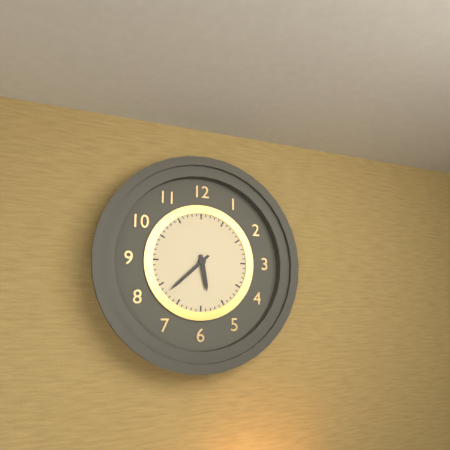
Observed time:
5:38
